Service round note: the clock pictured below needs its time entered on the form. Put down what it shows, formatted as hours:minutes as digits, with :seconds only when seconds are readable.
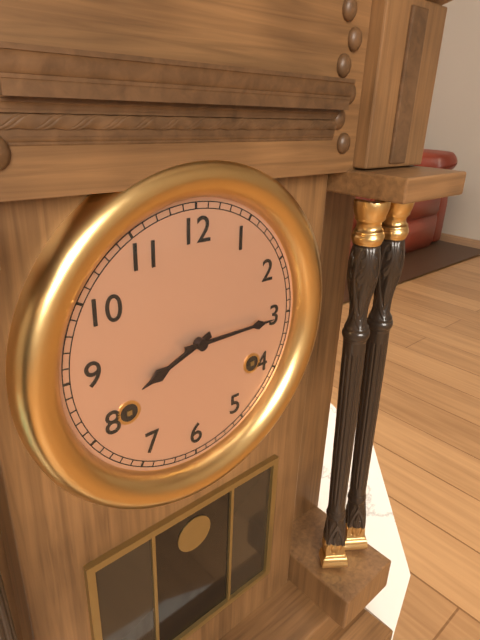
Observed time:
8:15
